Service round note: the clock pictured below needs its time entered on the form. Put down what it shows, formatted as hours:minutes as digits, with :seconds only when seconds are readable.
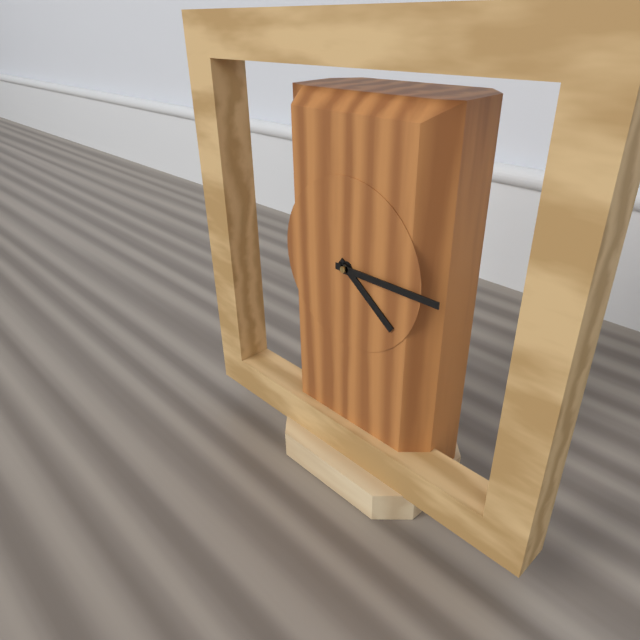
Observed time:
4:15
